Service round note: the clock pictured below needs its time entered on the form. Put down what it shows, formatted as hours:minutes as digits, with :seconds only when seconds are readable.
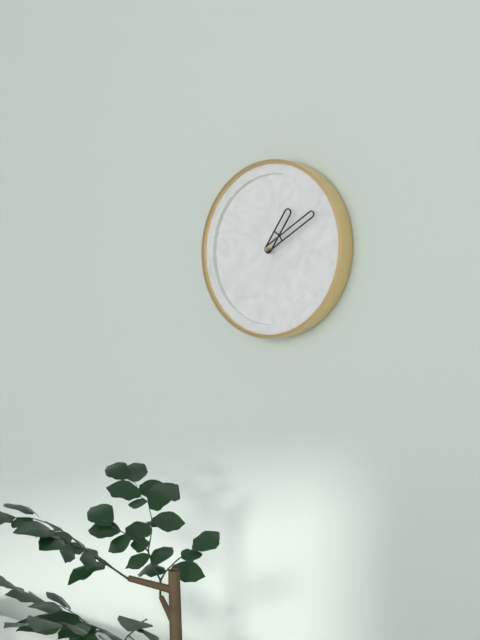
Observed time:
1:10
